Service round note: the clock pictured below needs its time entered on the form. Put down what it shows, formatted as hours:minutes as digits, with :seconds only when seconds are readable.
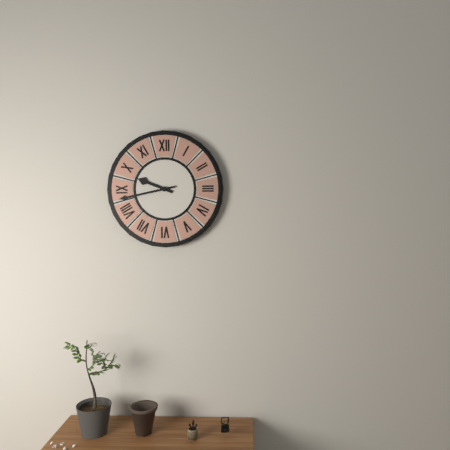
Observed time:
9:43
